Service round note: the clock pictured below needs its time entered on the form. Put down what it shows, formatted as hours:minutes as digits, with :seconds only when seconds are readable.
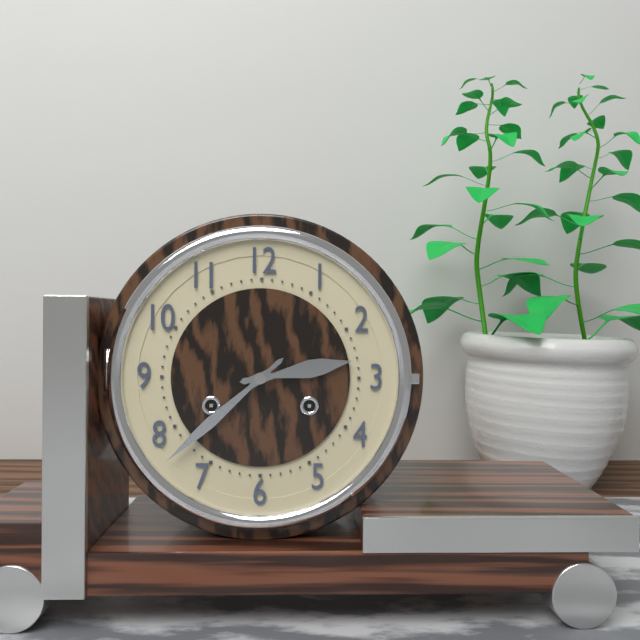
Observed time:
2:38
